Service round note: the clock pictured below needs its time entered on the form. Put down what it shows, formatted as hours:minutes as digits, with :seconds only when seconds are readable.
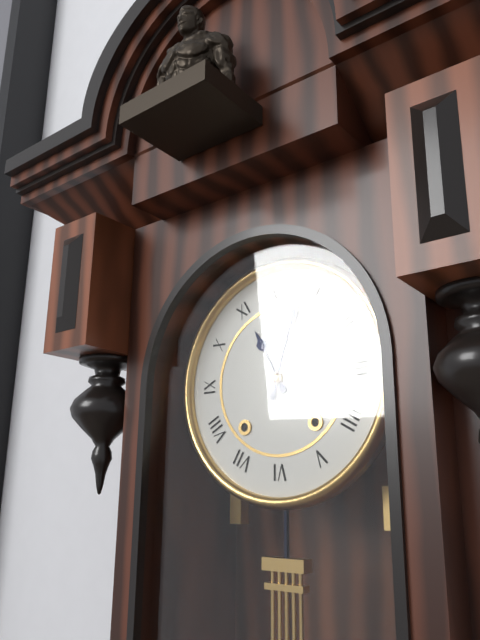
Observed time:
11:03
